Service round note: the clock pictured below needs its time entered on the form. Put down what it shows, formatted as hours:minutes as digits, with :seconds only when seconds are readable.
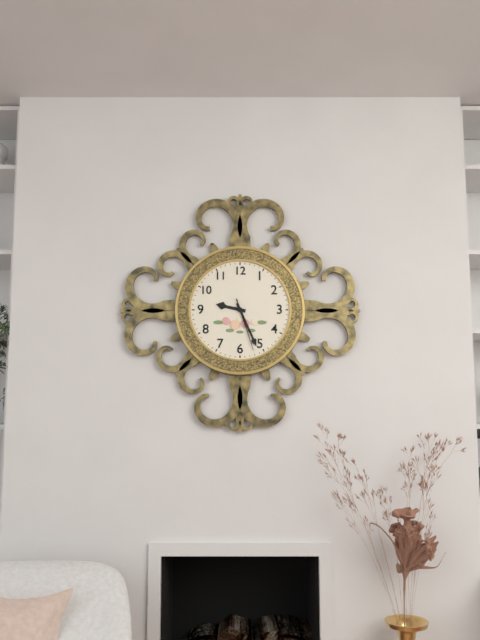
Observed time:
9:26:27
